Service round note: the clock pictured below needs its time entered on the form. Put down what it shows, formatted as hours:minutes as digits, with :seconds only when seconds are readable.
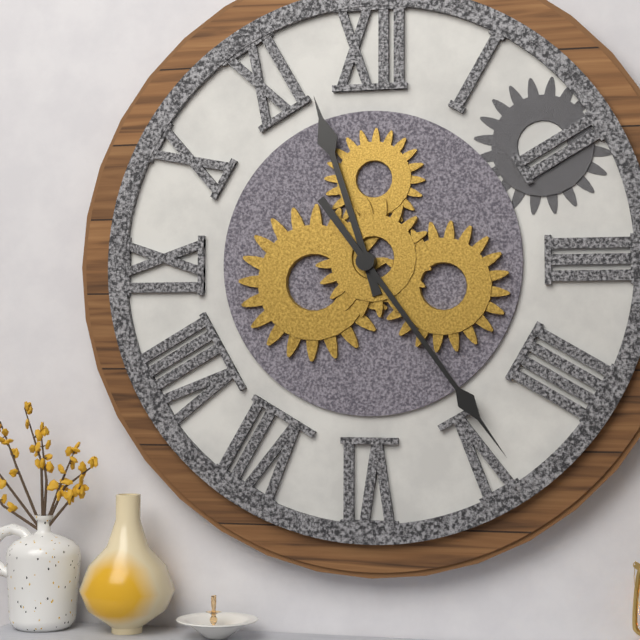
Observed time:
11:24
